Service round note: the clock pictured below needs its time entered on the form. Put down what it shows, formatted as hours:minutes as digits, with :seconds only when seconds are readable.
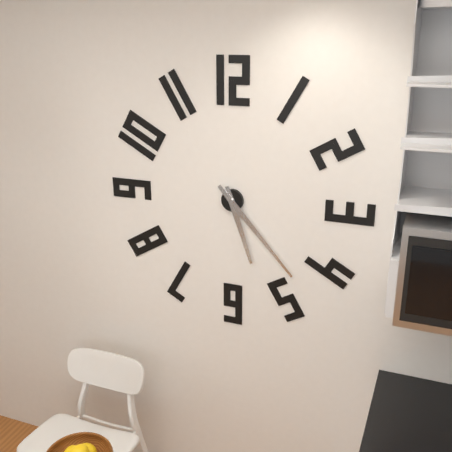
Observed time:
5:23
